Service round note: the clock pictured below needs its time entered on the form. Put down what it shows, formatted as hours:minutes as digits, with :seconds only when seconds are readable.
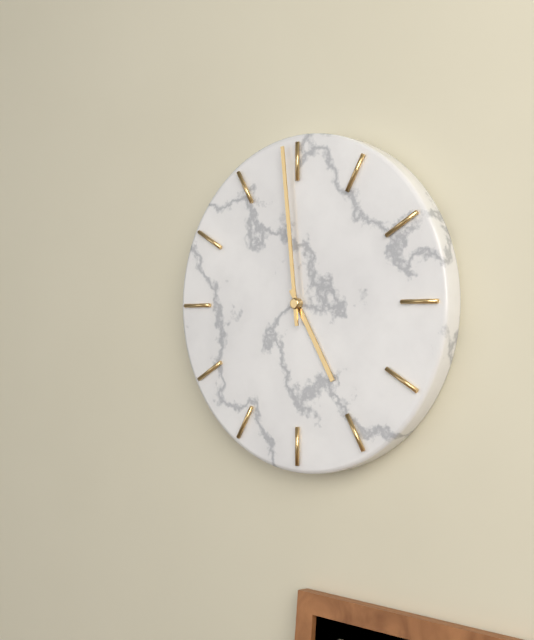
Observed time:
4:59
